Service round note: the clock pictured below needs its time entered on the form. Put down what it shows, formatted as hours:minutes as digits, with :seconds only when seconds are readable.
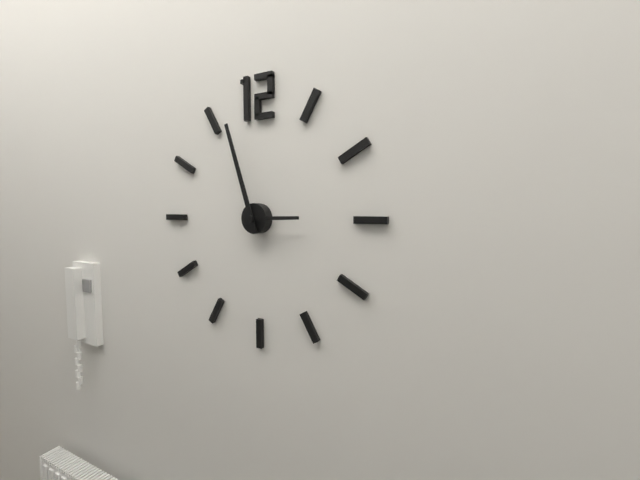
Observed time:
2:57
